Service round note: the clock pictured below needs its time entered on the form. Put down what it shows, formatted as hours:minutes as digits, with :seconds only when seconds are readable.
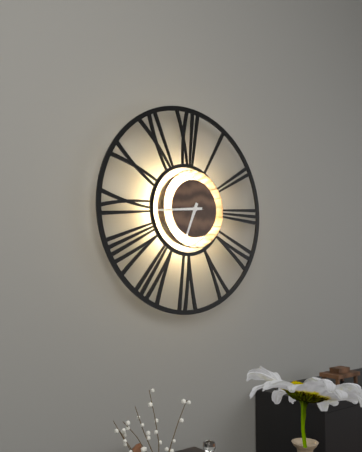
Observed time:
6:44
